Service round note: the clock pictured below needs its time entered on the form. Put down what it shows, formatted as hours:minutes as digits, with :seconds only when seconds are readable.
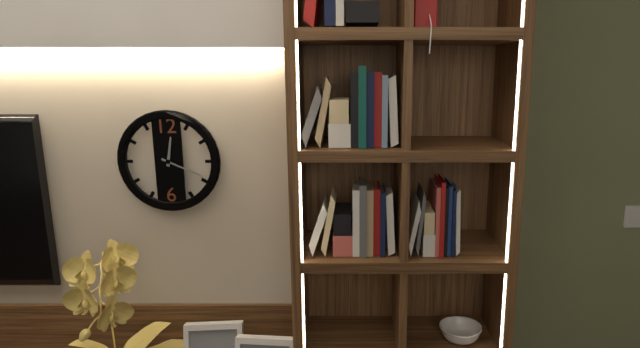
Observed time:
12:19
